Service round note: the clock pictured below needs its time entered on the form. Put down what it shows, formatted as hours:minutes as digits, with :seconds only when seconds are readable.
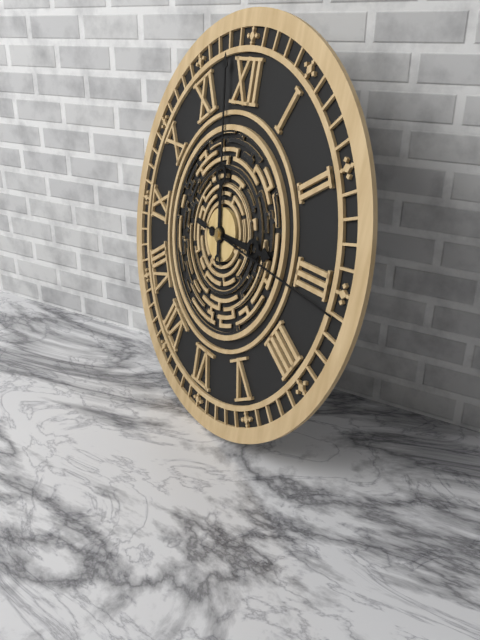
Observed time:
2:58:16
